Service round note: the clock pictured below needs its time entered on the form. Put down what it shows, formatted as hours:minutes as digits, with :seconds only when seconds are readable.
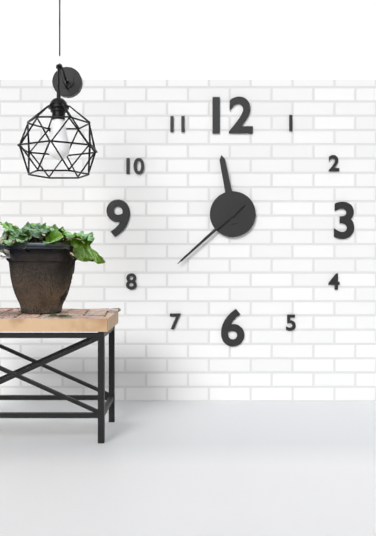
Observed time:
11:38:38
